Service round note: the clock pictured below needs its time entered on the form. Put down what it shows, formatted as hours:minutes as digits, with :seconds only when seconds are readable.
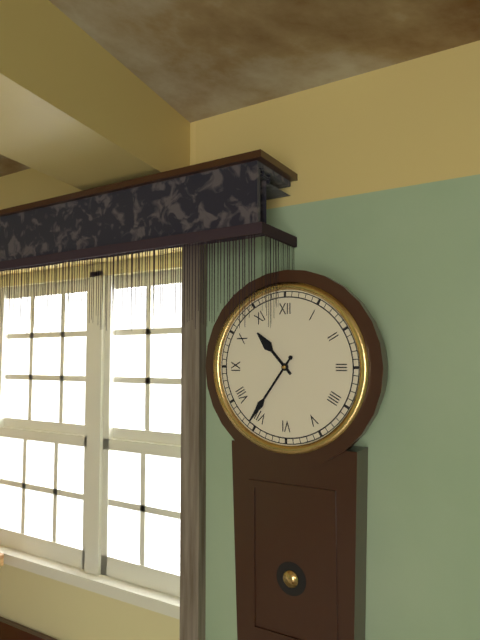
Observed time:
10:36
